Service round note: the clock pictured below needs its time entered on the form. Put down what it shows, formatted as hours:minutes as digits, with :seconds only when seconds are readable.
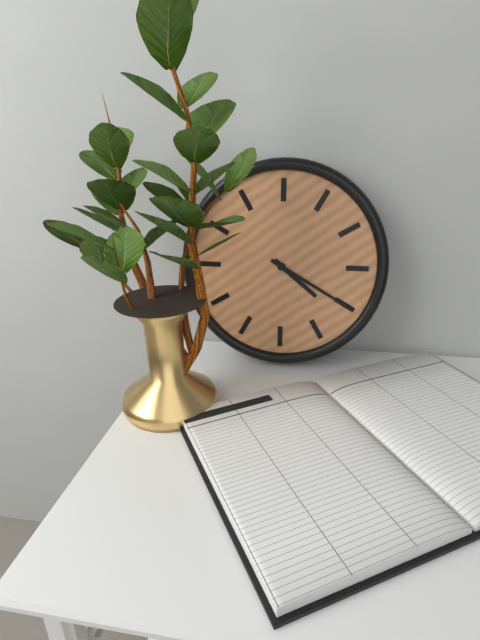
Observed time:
4:20
